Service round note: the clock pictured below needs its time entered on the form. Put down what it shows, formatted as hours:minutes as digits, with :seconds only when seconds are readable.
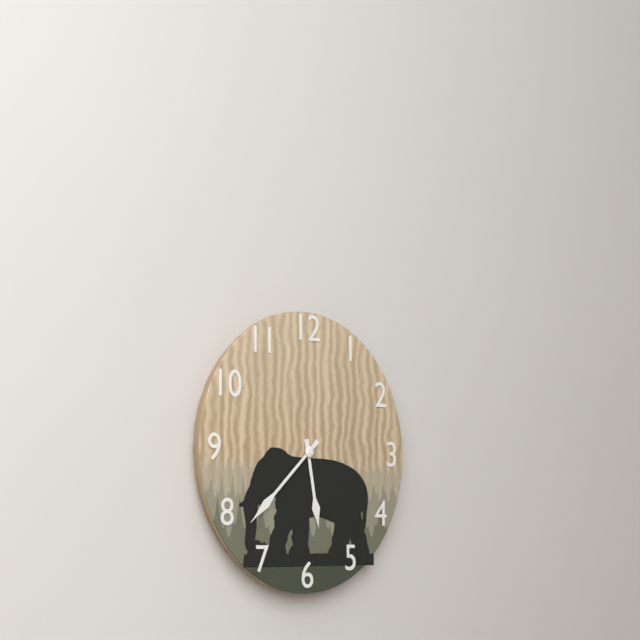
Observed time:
5:38
